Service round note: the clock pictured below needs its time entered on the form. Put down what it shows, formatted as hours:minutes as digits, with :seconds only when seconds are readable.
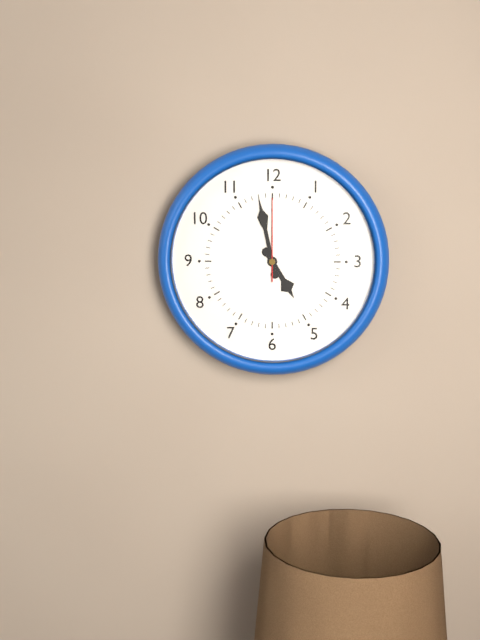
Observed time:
4:58:00
